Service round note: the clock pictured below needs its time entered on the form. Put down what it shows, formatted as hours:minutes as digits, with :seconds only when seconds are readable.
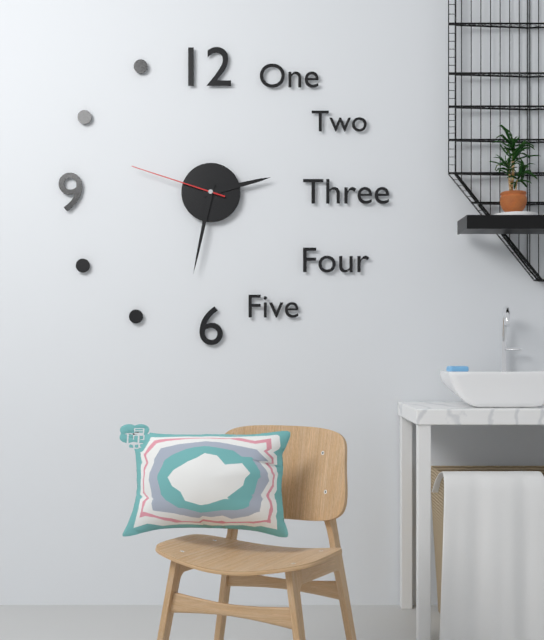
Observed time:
2:32:48
